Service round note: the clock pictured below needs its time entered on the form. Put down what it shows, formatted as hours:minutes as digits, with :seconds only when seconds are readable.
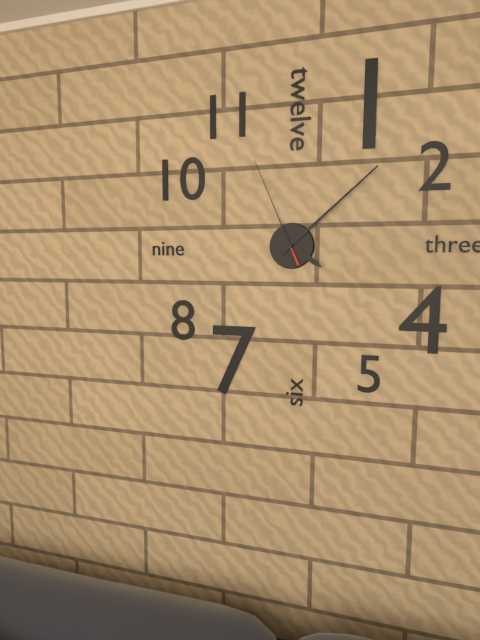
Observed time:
4:08:56
